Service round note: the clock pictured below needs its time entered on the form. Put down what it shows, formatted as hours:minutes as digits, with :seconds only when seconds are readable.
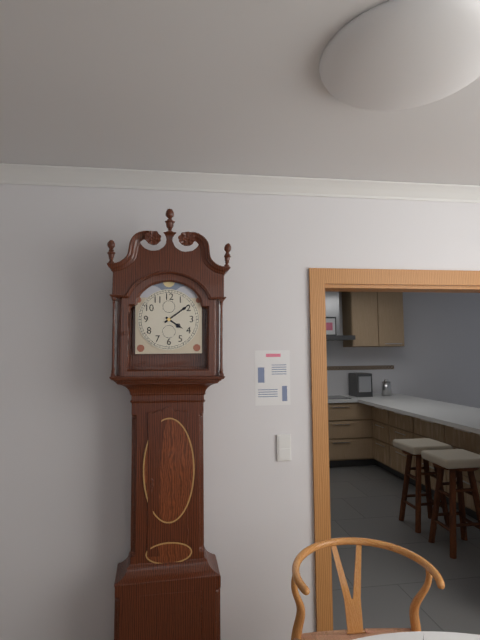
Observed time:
4:09
